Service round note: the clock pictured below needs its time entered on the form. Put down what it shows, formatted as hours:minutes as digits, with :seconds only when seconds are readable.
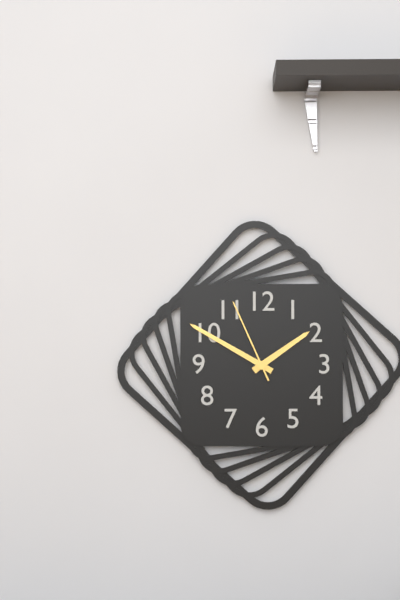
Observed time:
1:50:56
